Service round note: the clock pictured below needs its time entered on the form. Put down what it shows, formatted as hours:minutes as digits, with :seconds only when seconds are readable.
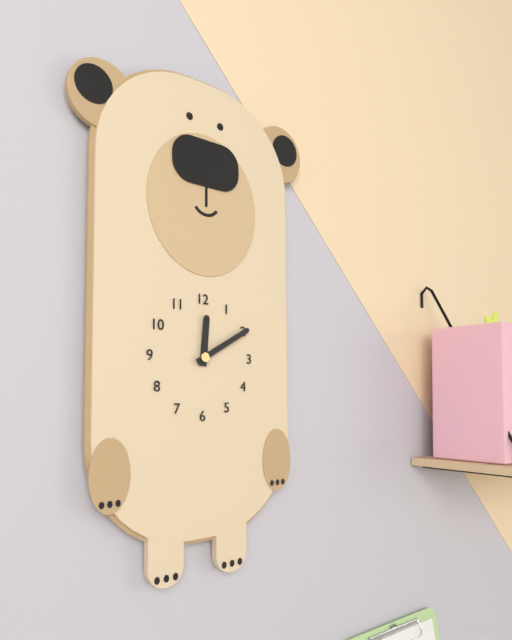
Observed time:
12:10
